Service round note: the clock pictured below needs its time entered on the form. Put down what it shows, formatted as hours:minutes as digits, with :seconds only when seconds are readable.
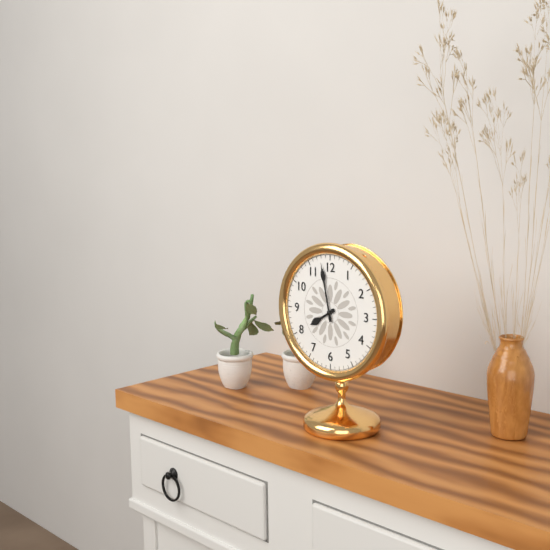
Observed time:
7:58
